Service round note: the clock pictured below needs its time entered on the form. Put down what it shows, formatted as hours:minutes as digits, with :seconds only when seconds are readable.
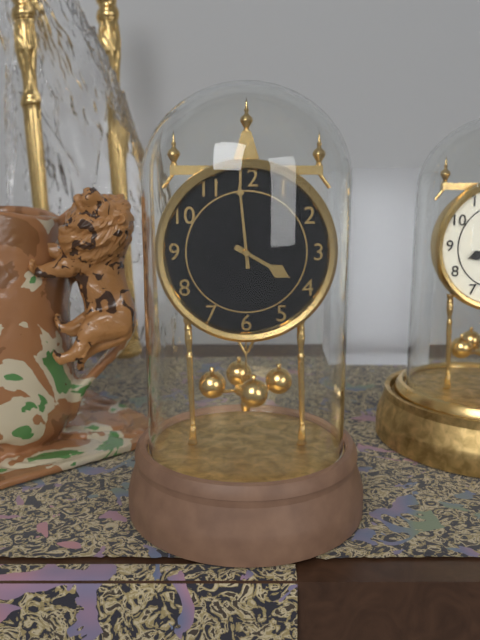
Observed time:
3:59
